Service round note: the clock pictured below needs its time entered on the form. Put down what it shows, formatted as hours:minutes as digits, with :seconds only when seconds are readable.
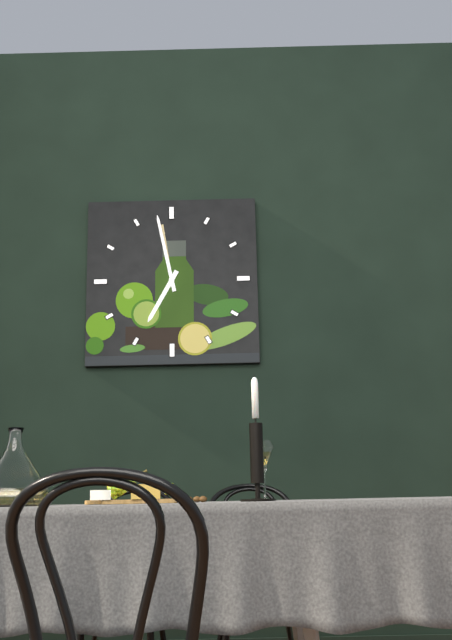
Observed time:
6:58
